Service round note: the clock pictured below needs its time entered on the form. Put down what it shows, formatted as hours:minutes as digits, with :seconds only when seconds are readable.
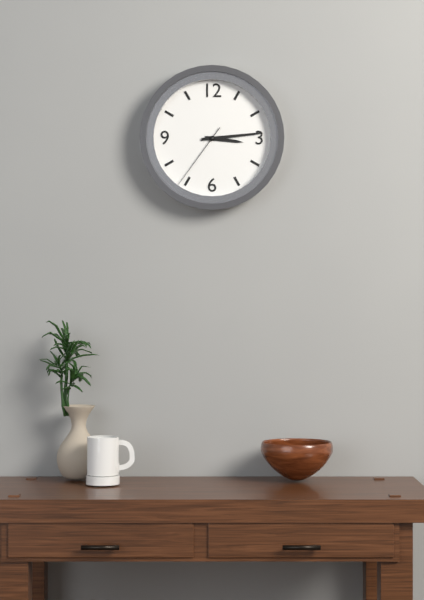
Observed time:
3:14:36
